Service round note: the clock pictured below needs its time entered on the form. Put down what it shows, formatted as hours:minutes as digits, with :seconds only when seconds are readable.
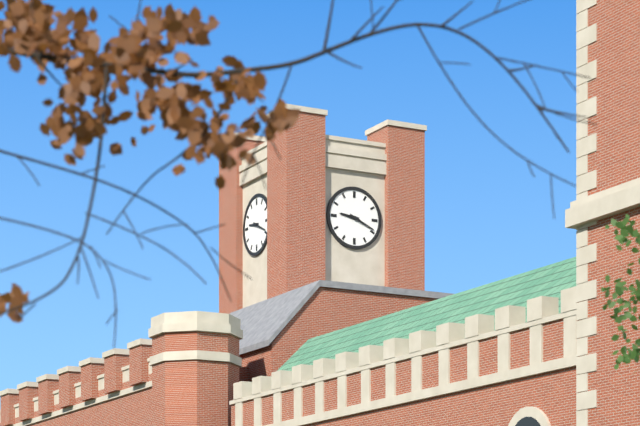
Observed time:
9:19
